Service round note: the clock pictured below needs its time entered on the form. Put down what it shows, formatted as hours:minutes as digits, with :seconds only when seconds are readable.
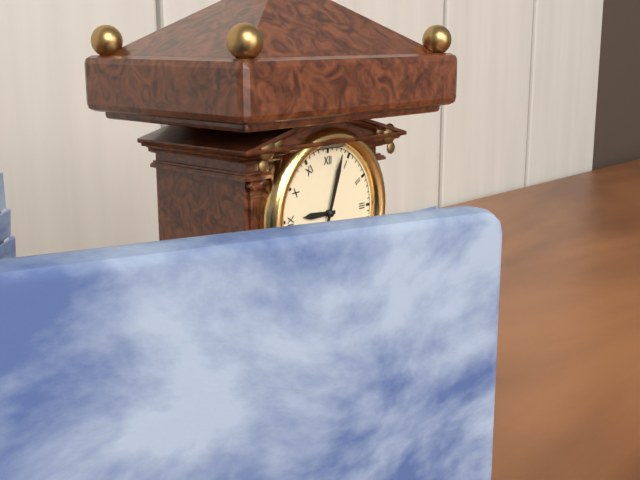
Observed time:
9:03
